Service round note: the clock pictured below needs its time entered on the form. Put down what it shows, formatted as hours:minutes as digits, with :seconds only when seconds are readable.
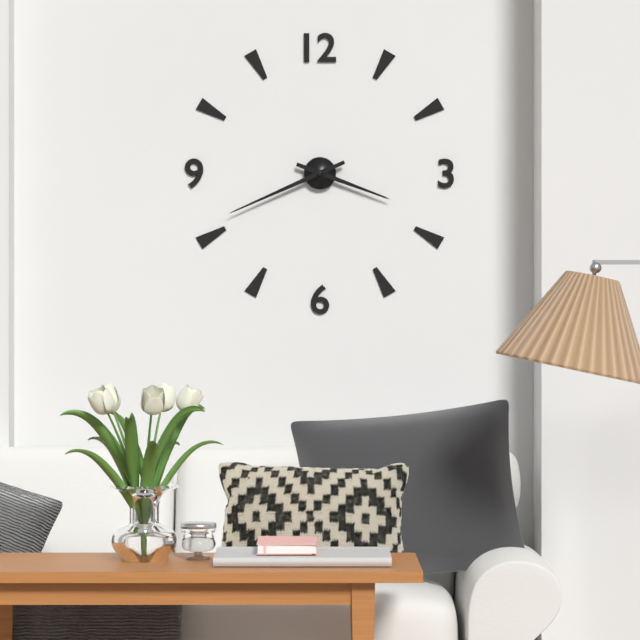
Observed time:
3:41
